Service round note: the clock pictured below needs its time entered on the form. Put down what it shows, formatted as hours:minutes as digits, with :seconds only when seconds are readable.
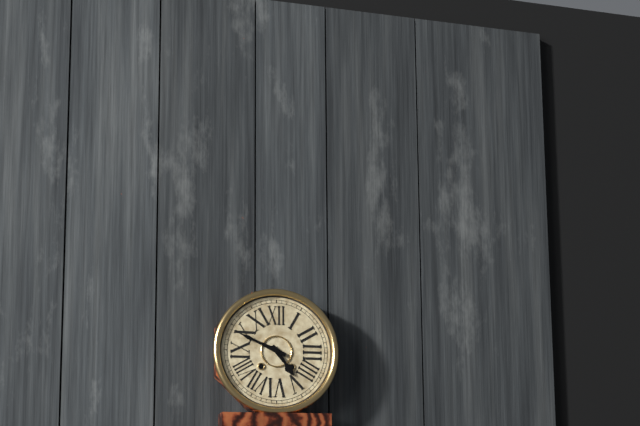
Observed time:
4:49
